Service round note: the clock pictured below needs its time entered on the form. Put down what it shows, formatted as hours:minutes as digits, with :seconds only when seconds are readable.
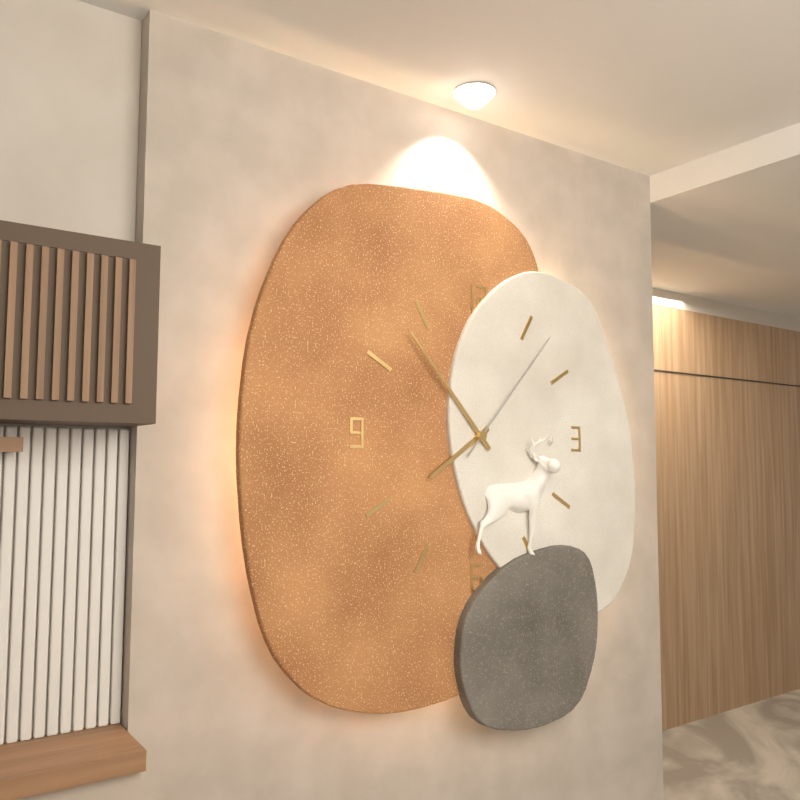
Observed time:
7:53:07
